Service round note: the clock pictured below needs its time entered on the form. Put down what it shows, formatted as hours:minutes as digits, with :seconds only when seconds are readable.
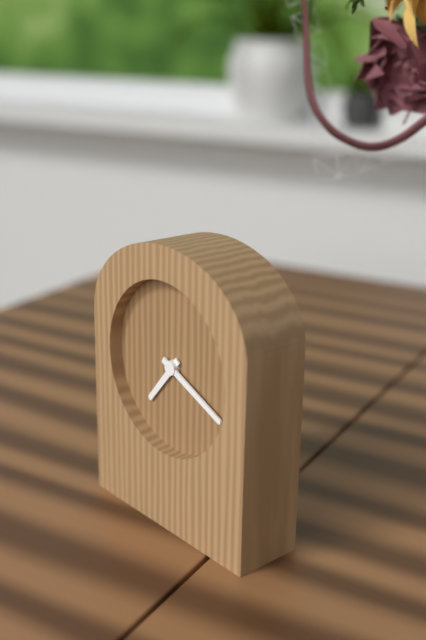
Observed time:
7:19
